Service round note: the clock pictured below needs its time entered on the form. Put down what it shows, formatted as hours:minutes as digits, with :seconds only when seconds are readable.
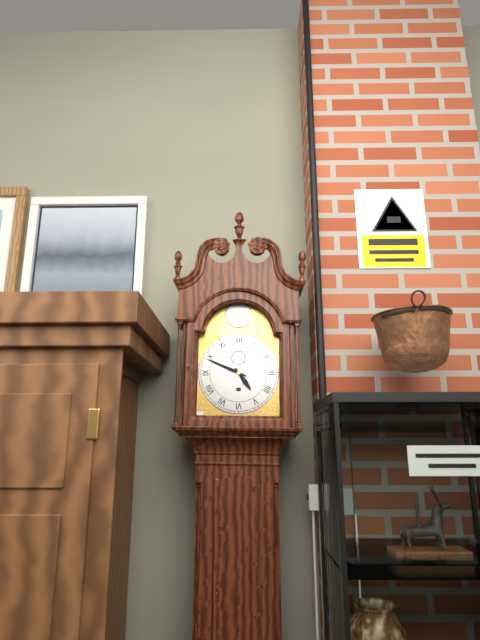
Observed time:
4:49
